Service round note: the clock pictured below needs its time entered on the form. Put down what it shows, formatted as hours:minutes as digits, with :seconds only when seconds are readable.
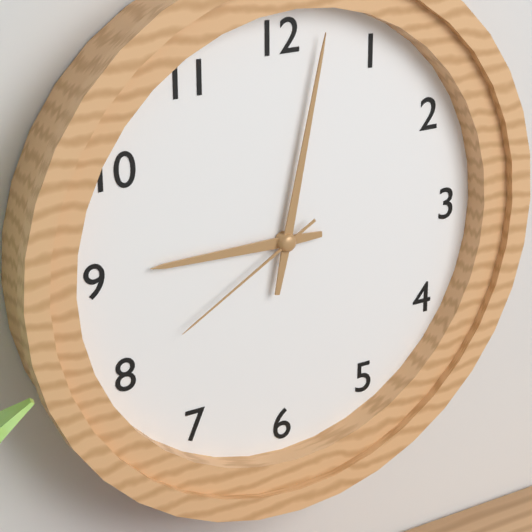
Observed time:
9:02:40
